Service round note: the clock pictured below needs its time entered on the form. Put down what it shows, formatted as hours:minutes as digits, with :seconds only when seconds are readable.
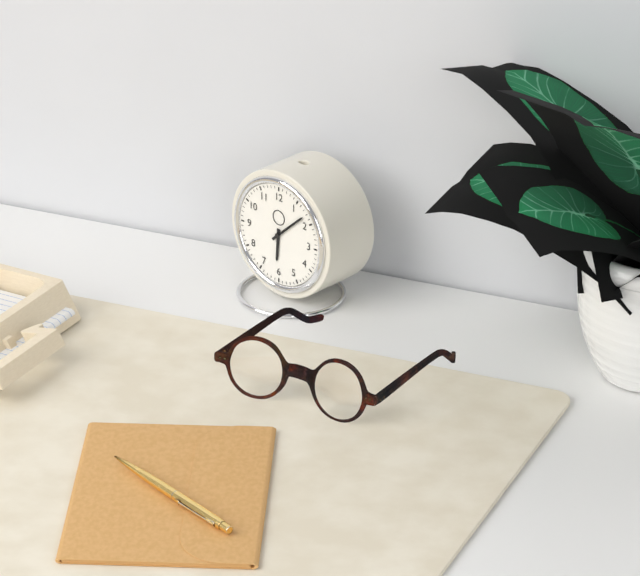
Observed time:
6:08
